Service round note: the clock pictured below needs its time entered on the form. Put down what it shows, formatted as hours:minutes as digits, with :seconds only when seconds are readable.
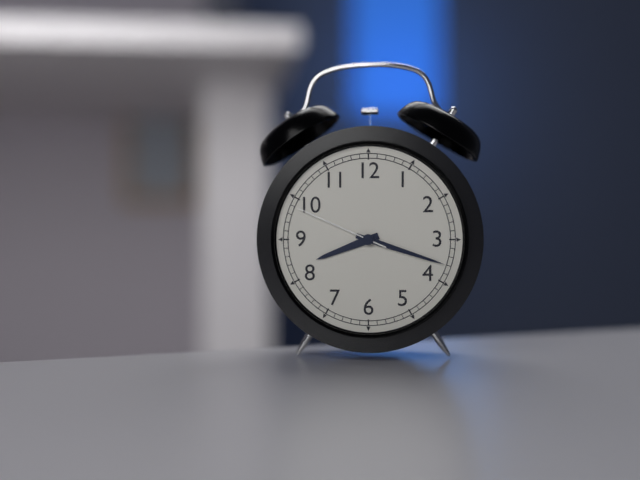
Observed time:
8:18:49
